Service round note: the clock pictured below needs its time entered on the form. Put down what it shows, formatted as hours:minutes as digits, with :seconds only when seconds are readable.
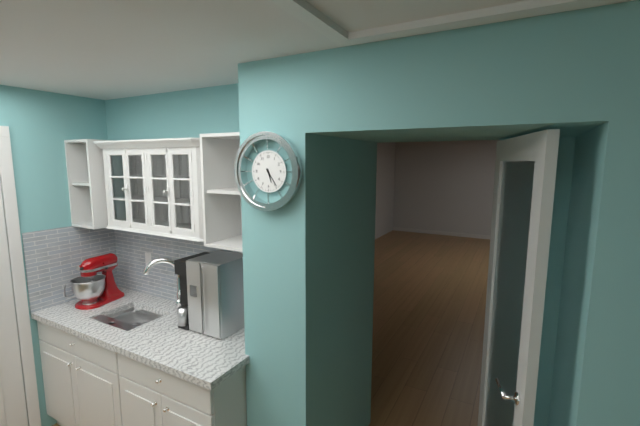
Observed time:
5:24
